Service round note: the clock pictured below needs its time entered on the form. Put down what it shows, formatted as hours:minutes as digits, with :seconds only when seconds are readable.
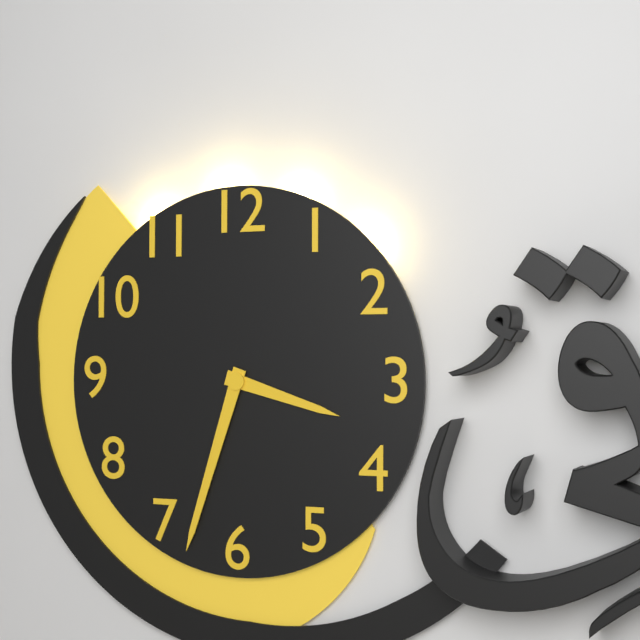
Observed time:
3:33
